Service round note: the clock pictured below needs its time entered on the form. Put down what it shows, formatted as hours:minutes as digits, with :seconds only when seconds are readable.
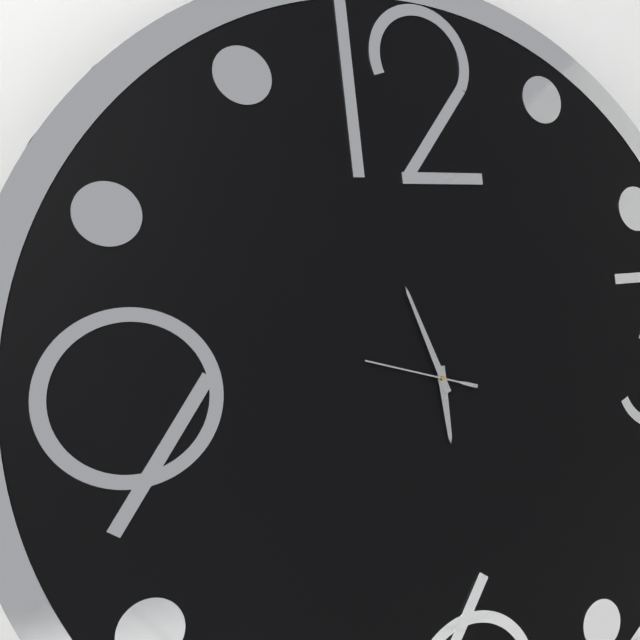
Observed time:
5:57:48
